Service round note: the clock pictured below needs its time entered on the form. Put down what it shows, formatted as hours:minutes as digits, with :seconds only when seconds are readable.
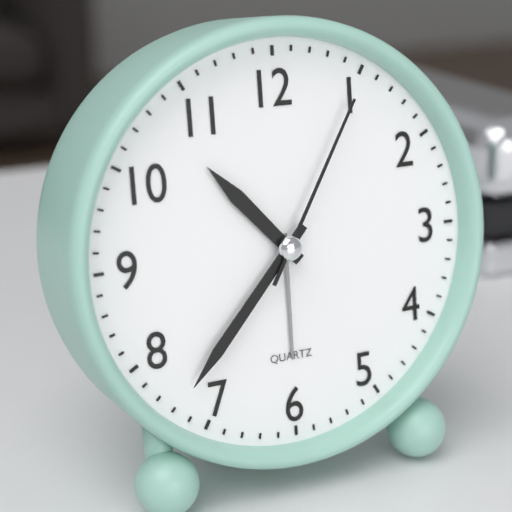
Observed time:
10:37:05
